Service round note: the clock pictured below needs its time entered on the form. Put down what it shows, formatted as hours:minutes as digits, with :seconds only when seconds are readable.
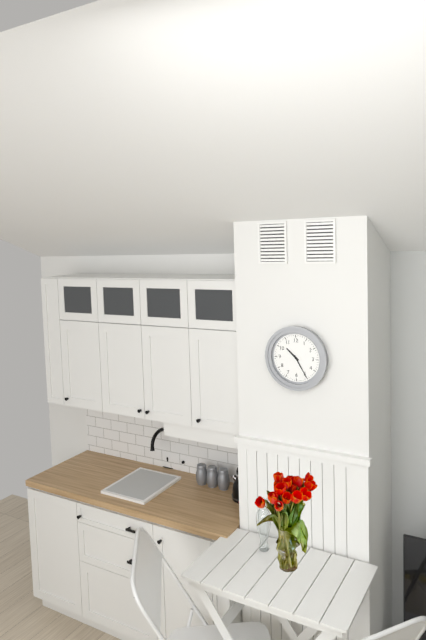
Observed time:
10:25
